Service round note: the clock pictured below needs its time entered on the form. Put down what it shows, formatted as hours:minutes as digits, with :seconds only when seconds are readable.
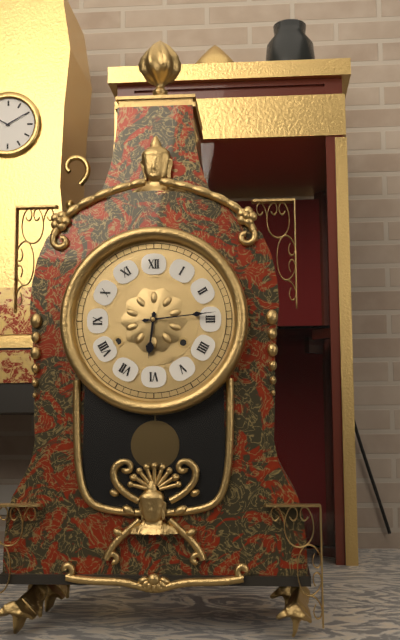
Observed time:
6:14
